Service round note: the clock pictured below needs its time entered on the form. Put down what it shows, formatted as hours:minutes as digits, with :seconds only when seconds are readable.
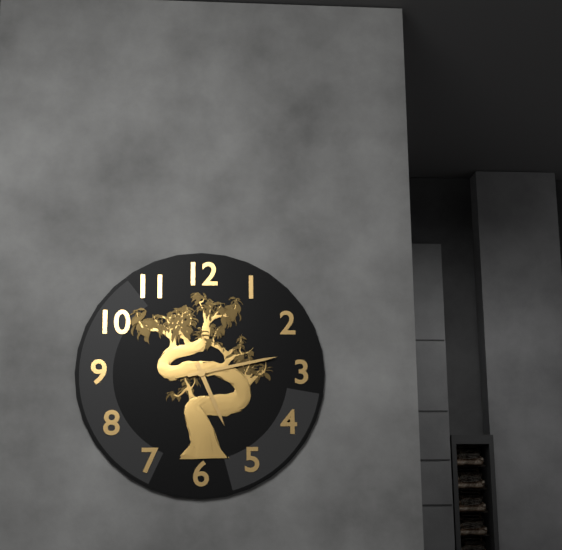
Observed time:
5:13
